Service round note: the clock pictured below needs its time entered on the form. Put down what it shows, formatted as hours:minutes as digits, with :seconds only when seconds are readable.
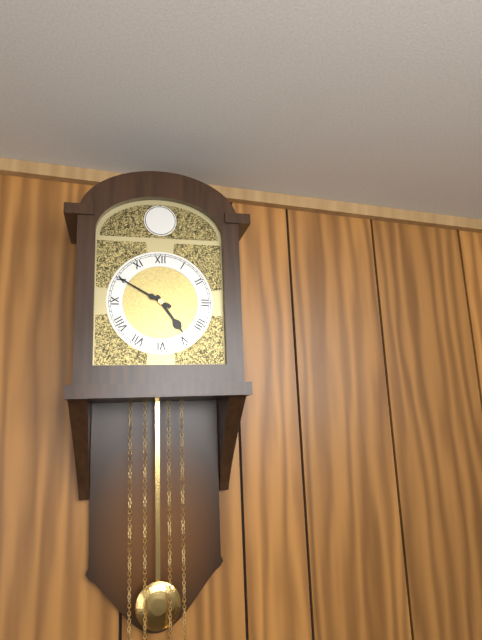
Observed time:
4:50
